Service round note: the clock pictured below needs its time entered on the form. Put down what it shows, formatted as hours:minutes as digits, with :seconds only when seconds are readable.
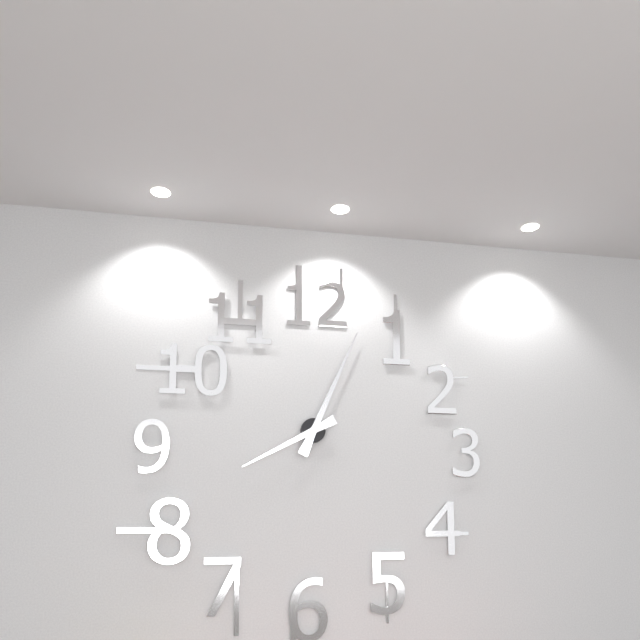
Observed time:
8:04
